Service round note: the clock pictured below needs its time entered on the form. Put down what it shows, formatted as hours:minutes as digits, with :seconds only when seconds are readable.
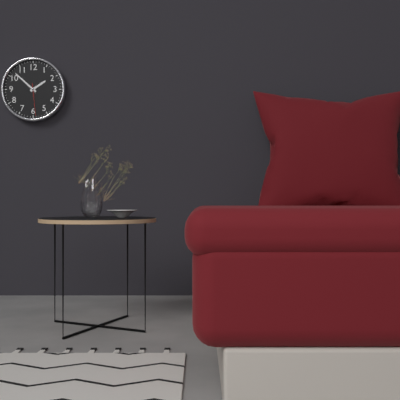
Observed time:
1:52
